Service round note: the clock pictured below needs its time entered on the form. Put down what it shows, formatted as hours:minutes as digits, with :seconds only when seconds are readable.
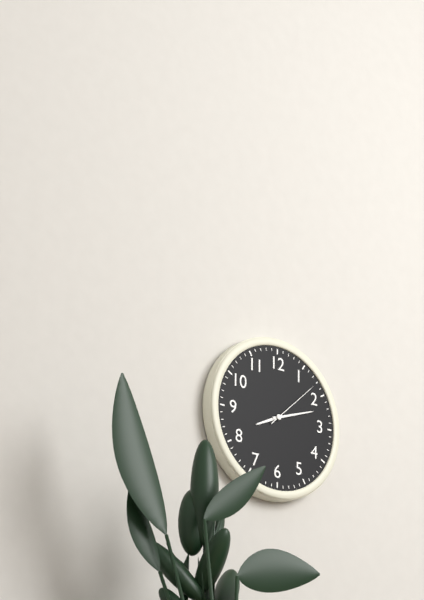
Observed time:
8:12:08
